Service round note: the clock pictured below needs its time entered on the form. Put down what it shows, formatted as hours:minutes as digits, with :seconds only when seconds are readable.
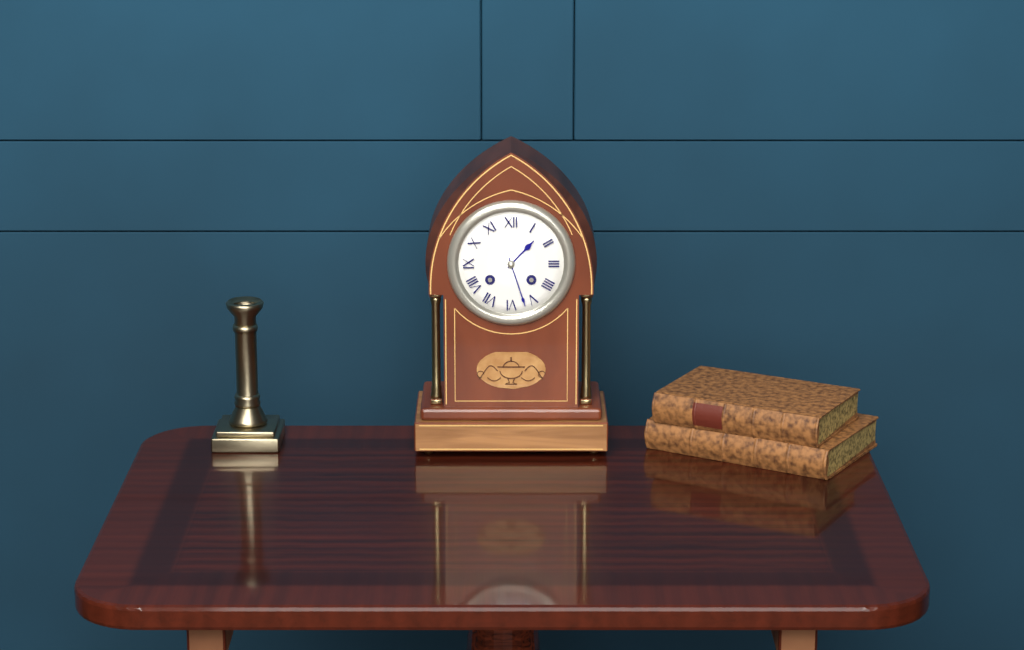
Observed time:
1:27
